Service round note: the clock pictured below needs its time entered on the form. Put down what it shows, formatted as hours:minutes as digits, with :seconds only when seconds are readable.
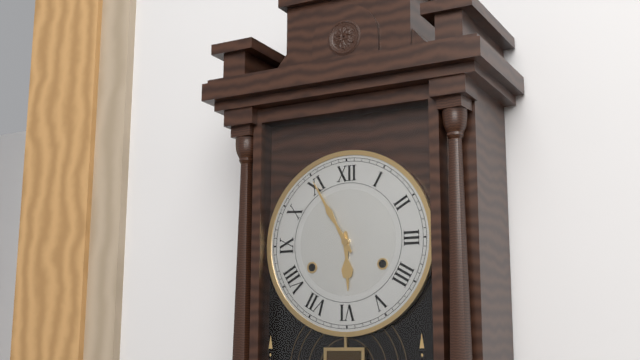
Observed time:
5:55
